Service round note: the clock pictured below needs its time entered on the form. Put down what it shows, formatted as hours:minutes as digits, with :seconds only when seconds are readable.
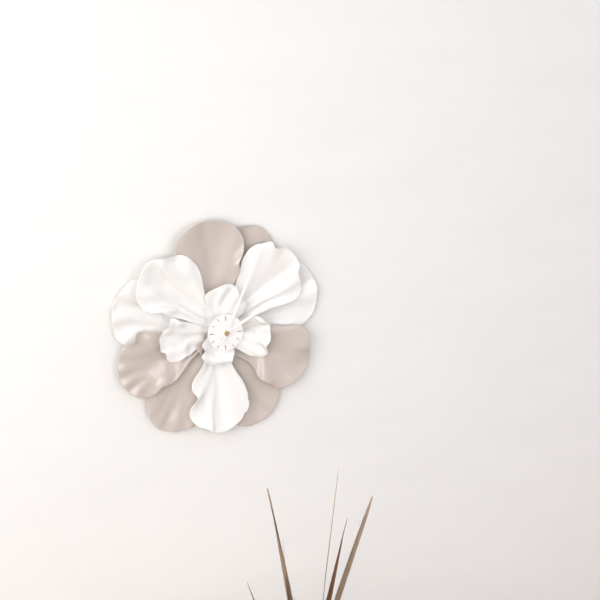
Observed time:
2:04
